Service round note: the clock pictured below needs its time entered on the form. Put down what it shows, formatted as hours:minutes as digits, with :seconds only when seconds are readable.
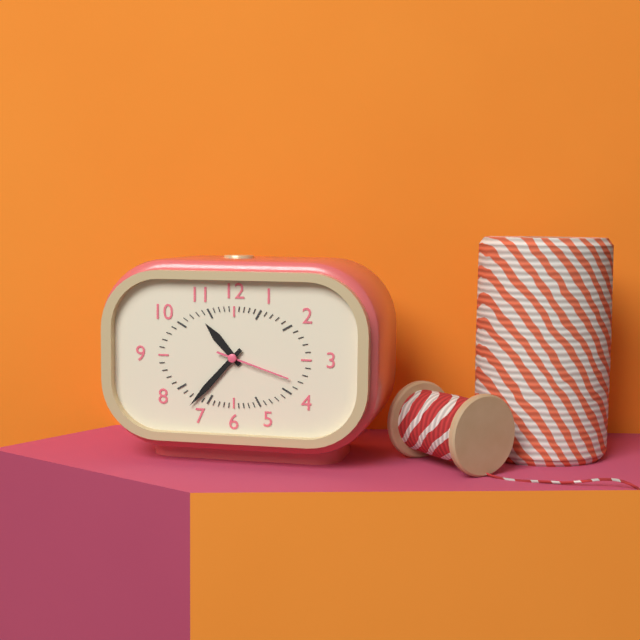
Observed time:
10:37:18
